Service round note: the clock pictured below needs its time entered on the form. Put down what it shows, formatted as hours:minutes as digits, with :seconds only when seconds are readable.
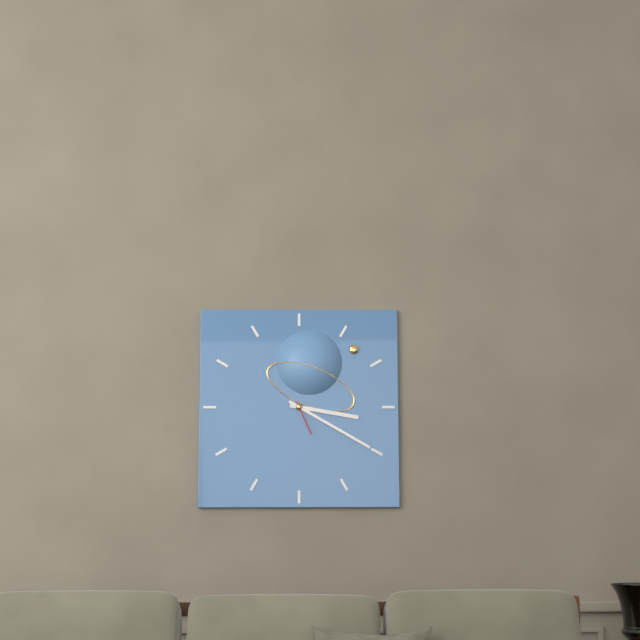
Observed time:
3:20
